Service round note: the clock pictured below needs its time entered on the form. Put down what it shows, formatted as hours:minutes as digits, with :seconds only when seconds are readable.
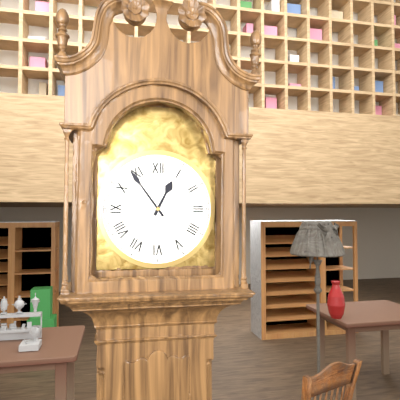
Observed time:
12:54
